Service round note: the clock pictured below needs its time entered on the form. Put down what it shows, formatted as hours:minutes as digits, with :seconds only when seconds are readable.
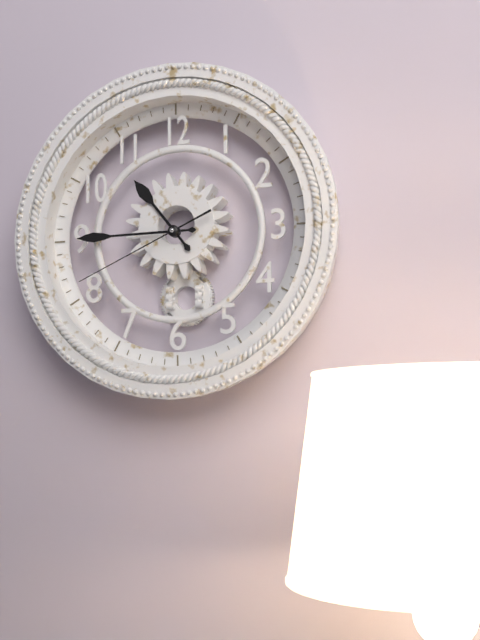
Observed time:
10:45:41
